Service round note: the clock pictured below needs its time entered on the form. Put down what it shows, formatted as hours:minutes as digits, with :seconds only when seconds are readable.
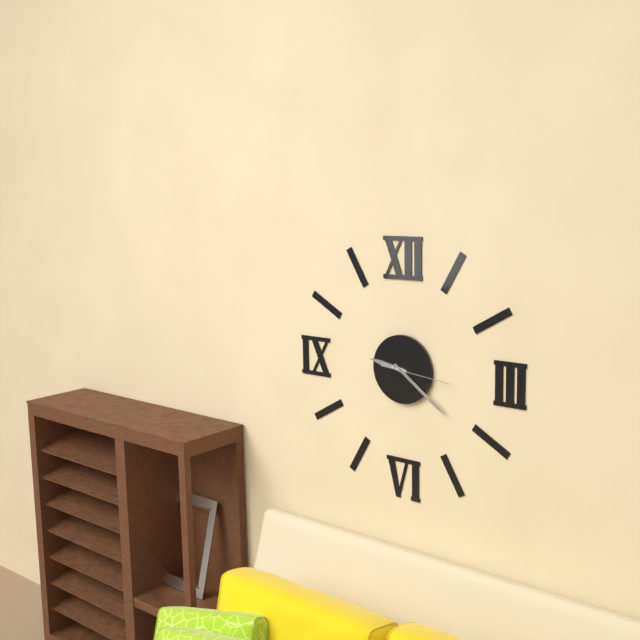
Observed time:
9:21:16
